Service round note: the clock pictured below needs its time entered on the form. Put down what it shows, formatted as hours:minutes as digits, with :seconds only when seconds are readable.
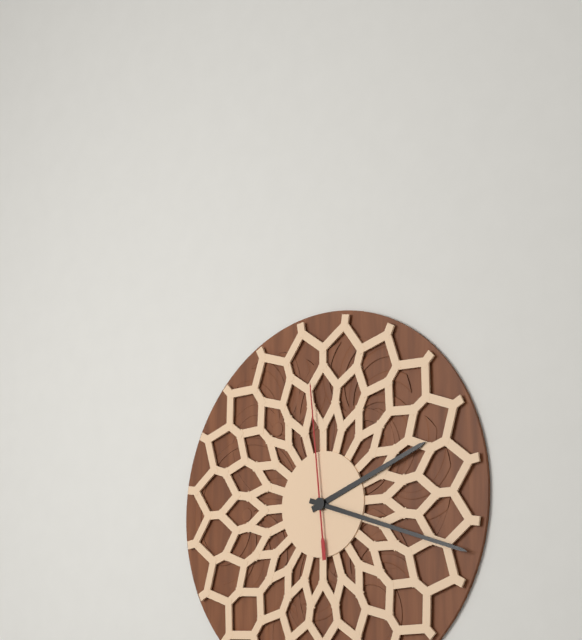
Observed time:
2:18:59
